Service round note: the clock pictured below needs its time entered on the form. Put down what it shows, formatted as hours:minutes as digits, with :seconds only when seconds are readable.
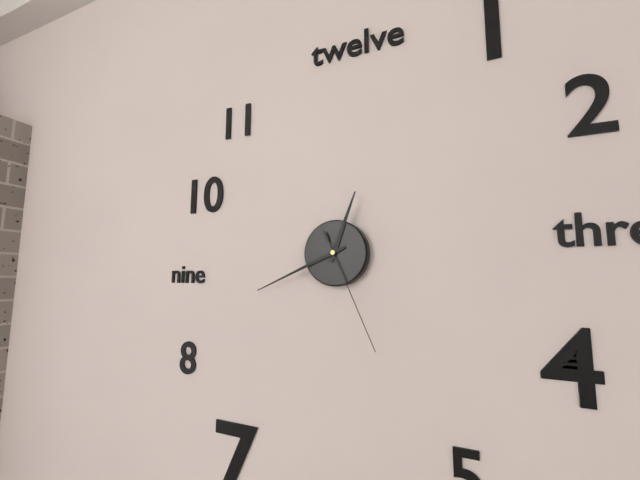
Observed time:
12:41:26
